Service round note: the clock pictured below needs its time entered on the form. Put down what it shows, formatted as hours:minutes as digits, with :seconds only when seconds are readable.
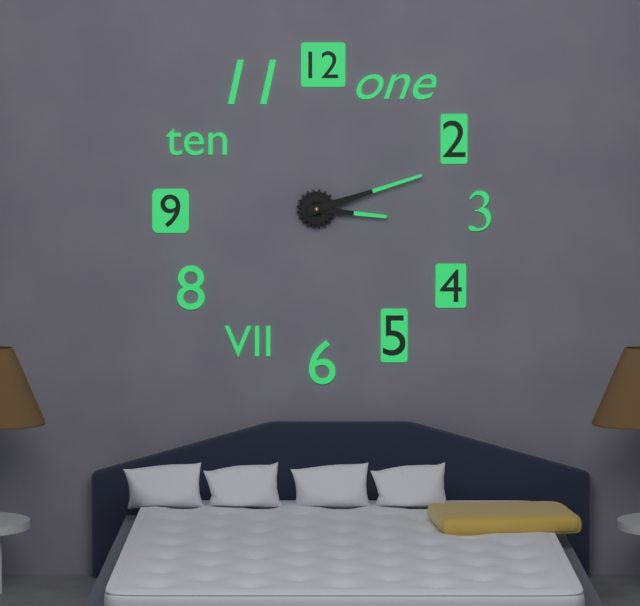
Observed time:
3:12
